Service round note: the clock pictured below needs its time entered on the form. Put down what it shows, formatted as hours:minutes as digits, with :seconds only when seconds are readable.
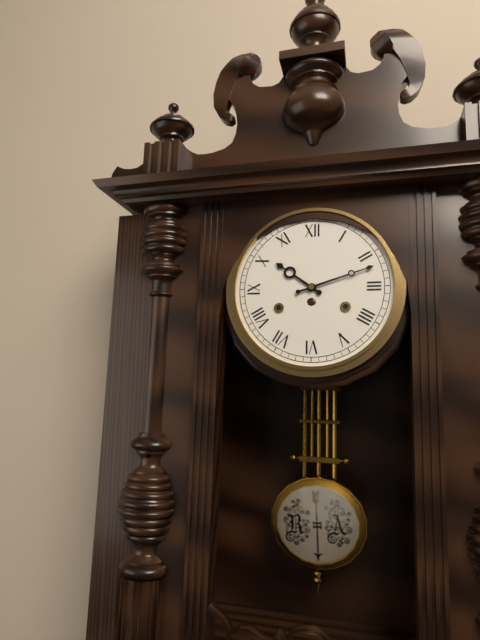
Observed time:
10:12
